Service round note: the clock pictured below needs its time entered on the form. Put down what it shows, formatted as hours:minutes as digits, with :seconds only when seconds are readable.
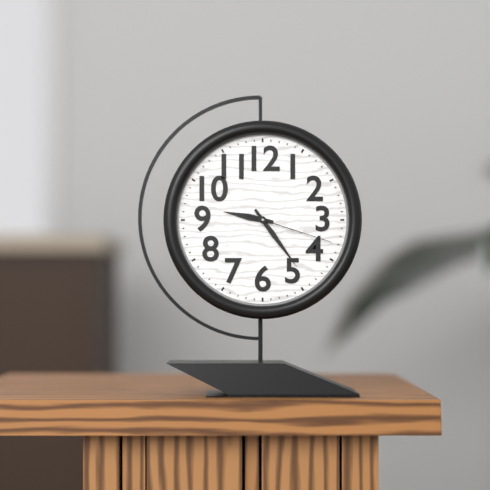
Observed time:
9:24:18
